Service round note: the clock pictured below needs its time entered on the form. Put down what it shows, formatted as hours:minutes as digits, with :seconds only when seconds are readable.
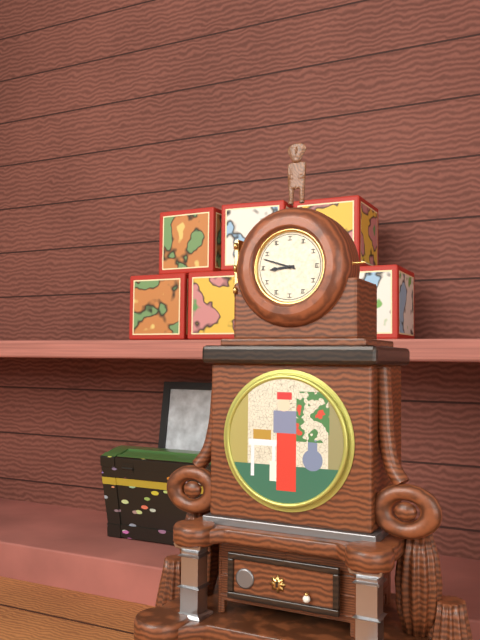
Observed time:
8:48
